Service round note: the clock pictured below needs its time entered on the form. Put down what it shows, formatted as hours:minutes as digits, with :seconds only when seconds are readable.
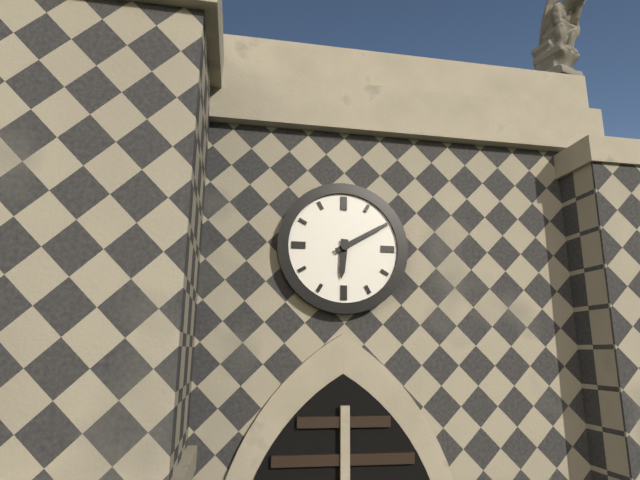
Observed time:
6:10
